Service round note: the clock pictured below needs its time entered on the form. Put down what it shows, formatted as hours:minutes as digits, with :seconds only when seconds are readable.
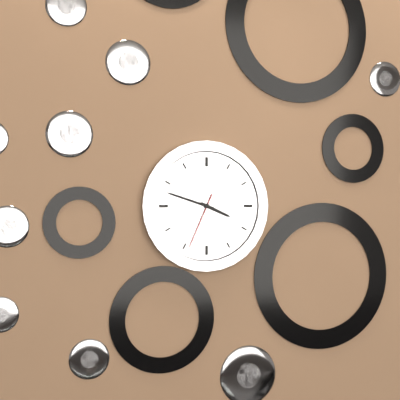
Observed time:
3:48:34
